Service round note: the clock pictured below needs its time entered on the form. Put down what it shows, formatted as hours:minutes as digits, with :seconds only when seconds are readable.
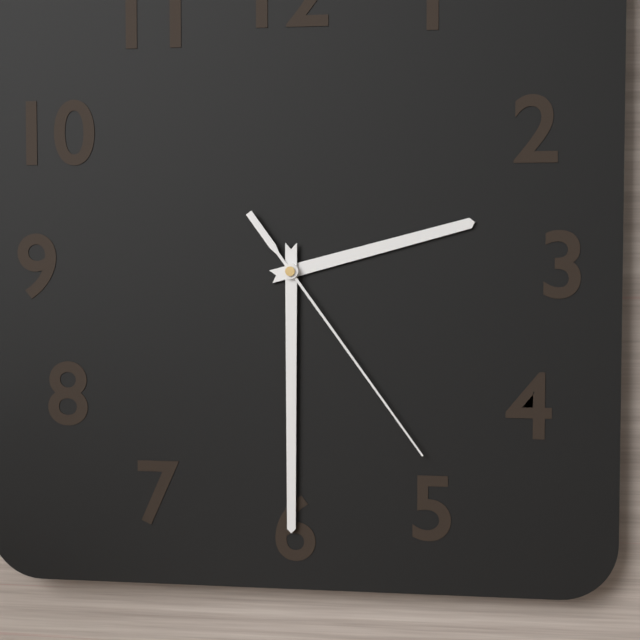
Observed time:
2:30:24
